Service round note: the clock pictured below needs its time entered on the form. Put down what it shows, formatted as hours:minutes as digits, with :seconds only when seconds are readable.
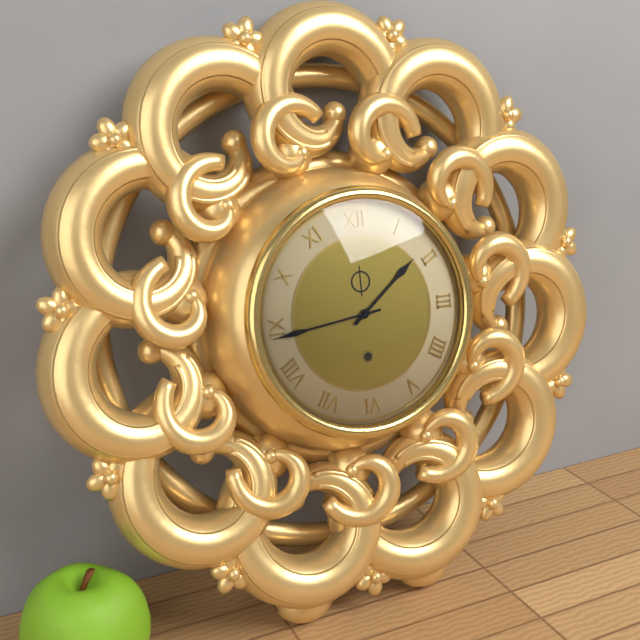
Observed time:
1:44
